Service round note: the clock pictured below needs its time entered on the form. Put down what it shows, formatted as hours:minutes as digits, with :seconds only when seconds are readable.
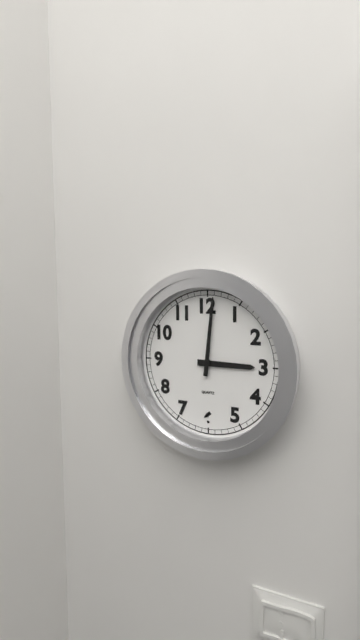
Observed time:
3:01
